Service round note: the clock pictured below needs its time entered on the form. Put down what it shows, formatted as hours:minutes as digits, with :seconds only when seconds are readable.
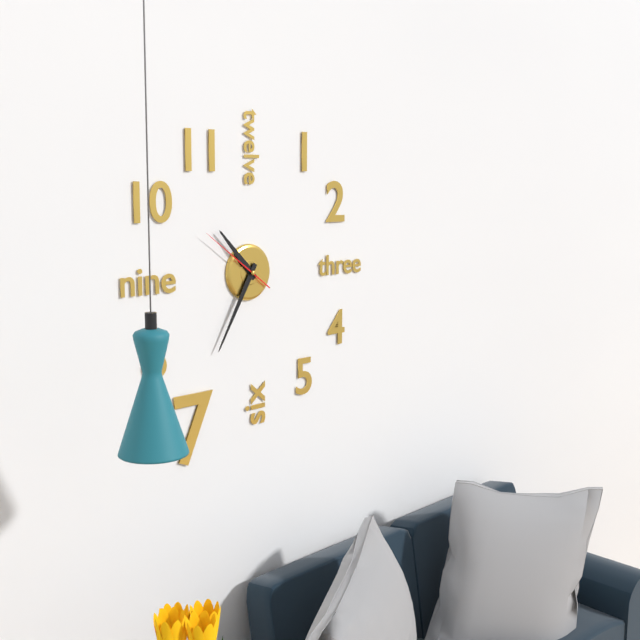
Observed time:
10:35:51
